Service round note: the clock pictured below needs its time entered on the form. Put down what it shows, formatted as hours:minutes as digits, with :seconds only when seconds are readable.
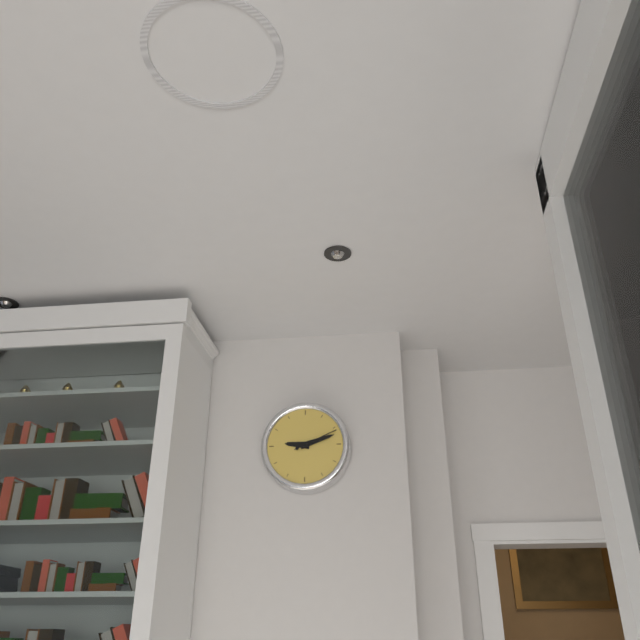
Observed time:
9:12
